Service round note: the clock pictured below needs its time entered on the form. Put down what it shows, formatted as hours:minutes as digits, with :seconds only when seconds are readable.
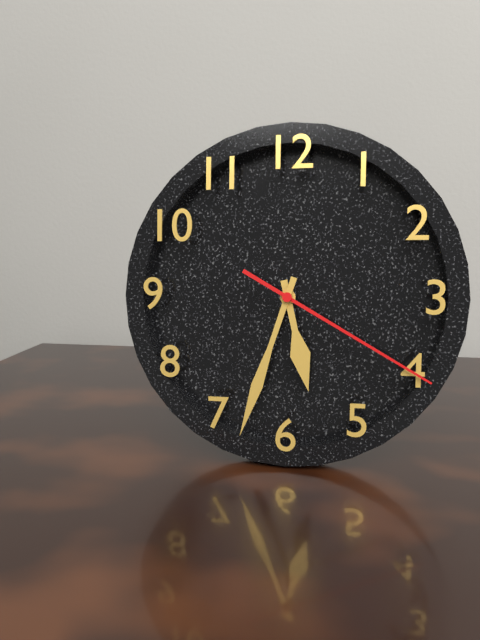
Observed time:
5:33:20
